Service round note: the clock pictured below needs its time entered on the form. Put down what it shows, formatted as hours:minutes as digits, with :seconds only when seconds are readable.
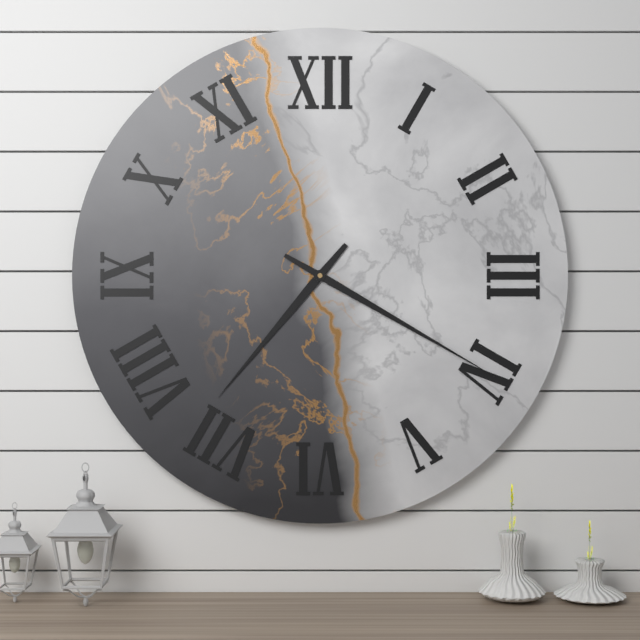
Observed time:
7:20
